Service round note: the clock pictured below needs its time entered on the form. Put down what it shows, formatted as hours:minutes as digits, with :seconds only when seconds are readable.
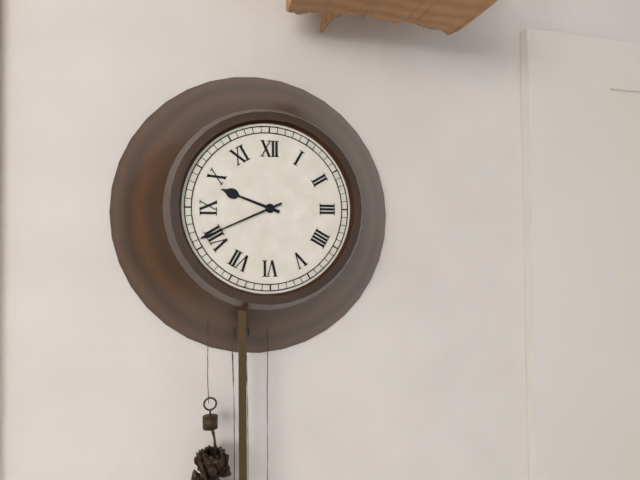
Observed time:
9:41
